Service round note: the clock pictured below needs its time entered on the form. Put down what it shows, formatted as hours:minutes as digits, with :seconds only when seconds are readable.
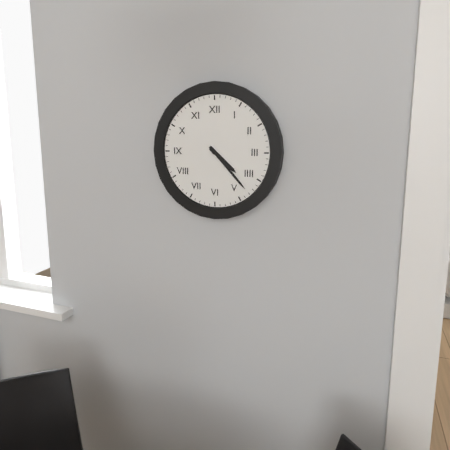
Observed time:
4:23
